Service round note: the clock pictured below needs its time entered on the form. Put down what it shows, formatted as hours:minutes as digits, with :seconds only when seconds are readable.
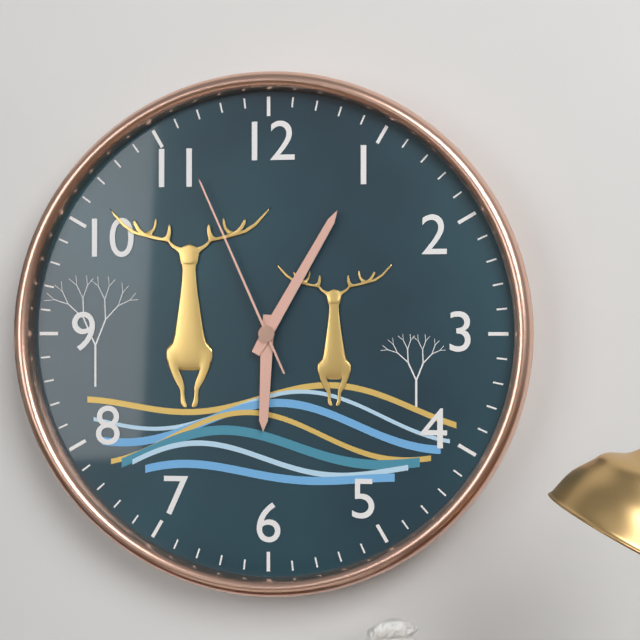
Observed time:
6:05:56
